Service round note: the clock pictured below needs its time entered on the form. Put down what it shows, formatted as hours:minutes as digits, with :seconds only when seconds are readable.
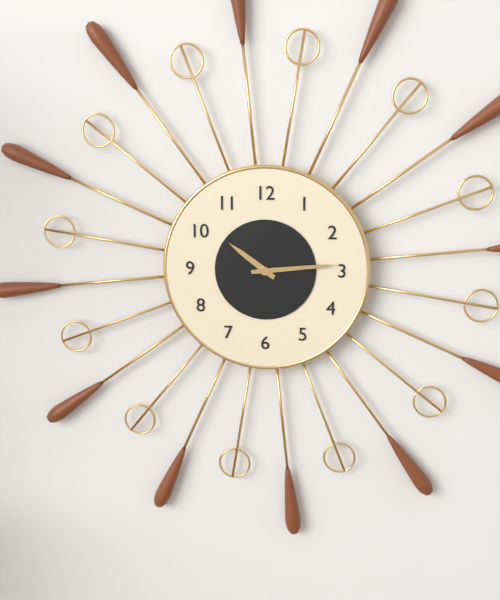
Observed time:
10:14
